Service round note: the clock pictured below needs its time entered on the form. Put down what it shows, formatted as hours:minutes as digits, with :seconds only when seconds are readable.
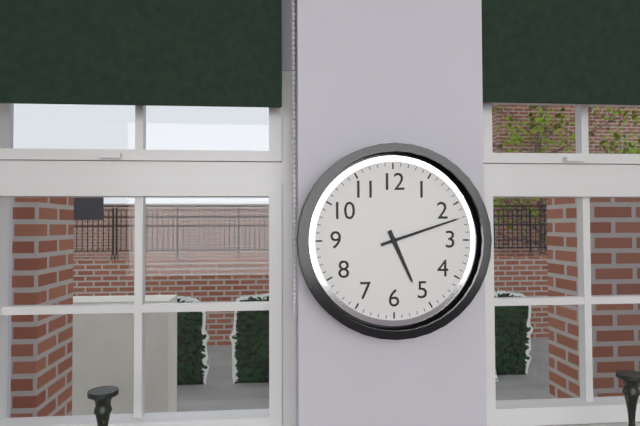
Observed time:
5:12
